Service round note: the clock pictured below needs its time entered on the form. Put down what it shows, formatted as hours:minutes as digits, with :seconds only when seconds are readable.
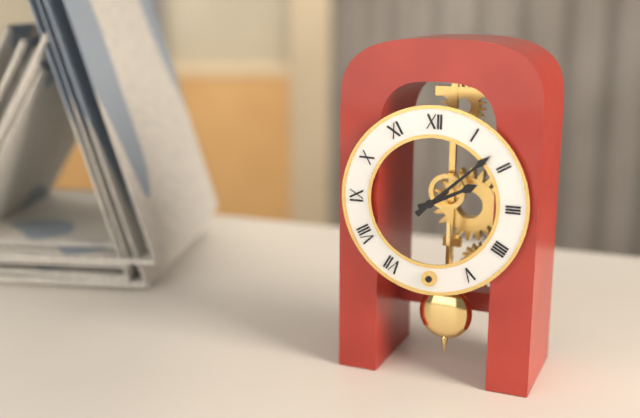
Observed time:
2:08
